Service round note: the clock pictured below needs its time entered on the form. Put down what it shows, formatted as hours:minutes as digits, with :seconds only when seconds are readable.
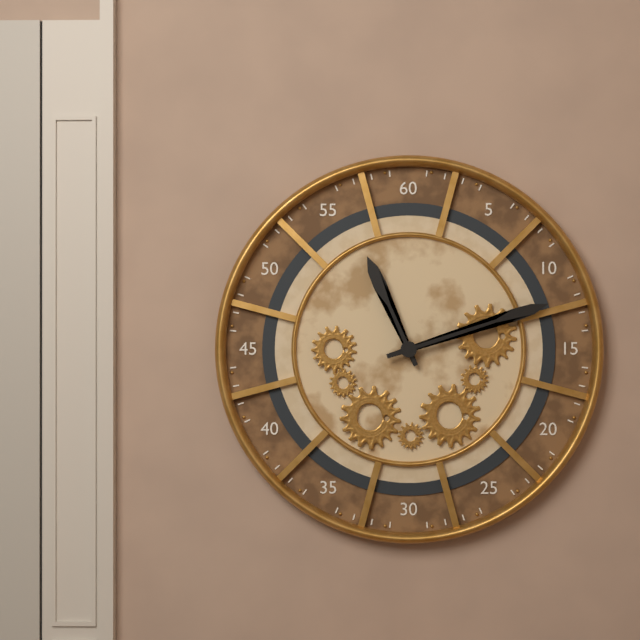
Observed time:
11:12
